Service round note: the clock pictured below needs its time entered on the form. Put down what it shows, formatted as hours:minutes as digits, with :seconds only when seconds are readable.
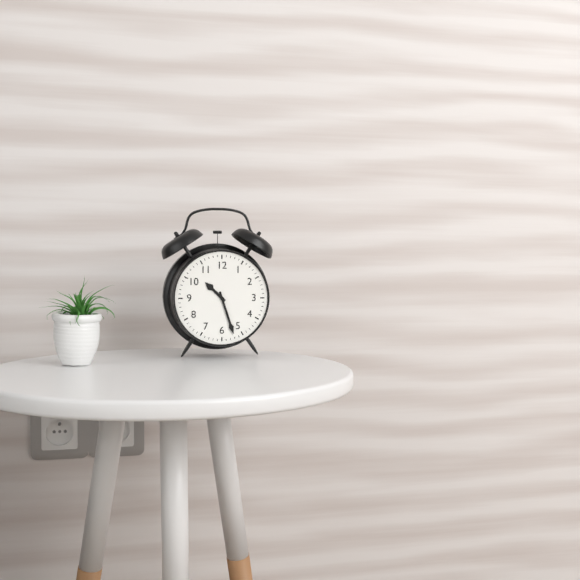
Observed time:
10:27
